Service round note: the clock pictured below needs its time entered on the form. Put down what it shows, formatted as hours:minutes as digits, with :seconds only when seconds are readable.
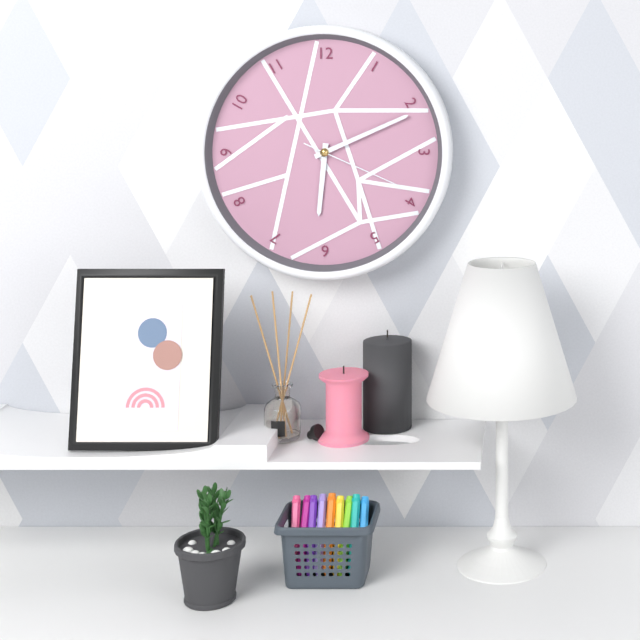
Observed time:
6:11:19
